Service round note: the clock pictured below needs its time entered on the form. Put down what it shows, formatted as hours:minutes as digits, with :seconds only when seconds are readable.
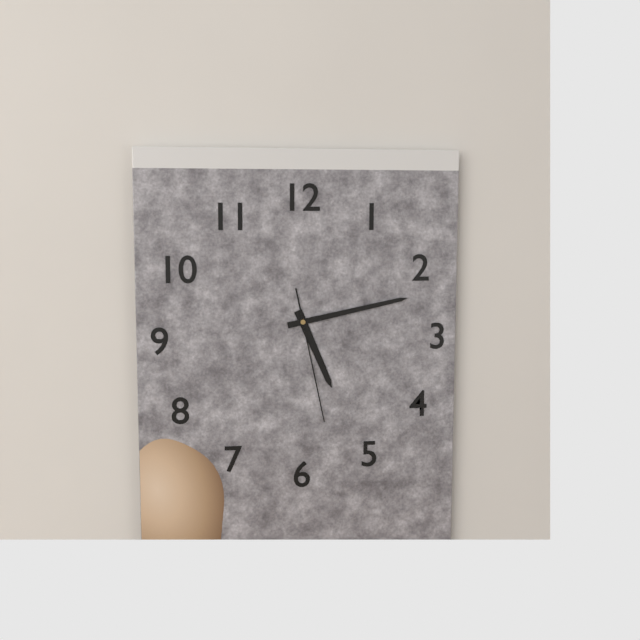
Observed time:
5:13:28
